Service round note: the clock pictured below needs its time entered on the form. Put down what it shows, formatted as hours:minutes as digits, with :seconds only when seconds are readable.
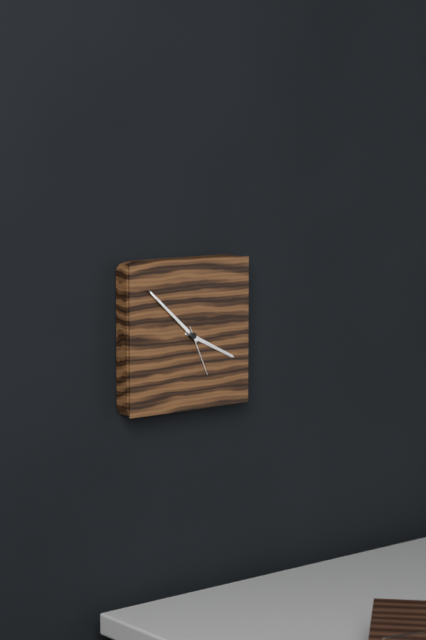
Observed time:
3:52:26
